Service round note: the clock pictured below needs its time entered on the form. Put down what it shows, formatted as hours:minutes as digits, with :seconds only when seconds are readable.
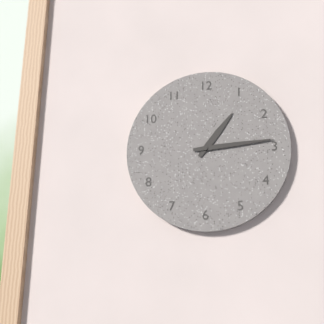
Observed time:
1:14
